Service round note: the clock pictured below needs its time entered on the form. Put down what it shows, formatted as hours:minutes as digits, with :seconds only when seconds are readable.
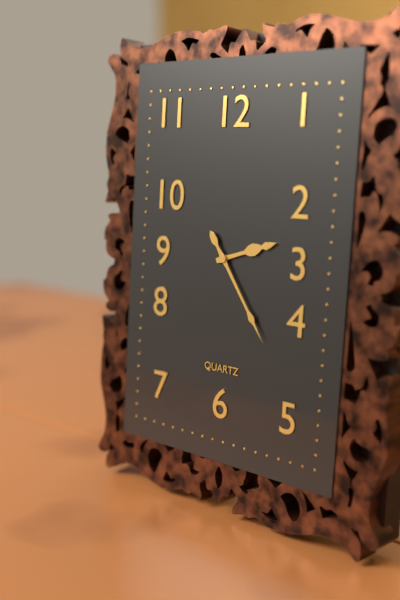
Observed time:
2:24
